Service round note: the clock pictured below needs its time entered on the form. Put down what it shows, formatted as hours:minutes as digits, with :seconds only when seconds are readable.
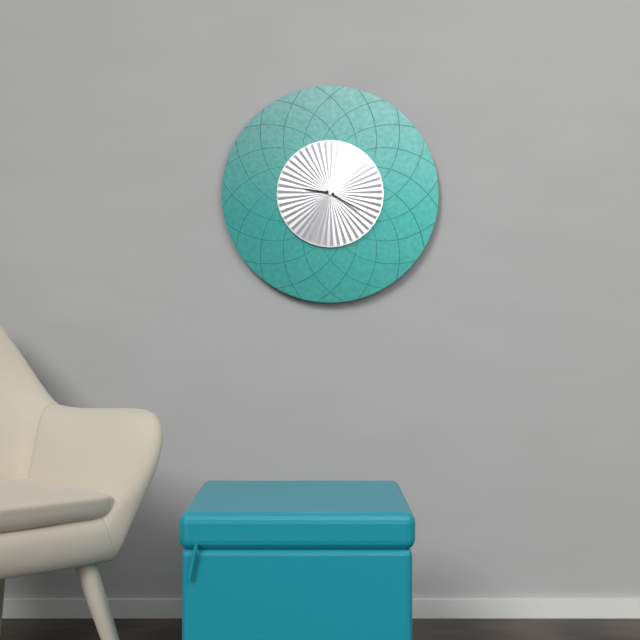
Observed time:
9:20
